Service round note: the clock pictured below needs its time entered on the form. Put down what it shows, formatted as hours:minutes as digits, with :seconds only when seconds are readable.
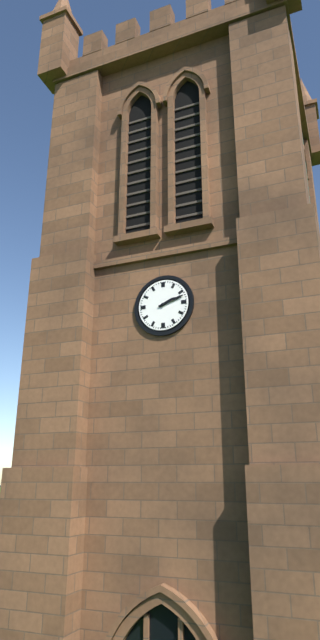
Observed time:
2:12
